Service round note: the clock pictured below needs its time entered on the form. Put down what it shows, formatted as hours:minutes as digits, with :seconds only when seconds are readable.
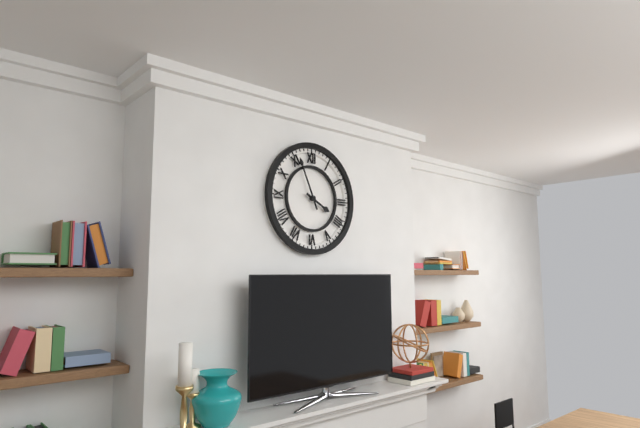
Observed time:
3:56
